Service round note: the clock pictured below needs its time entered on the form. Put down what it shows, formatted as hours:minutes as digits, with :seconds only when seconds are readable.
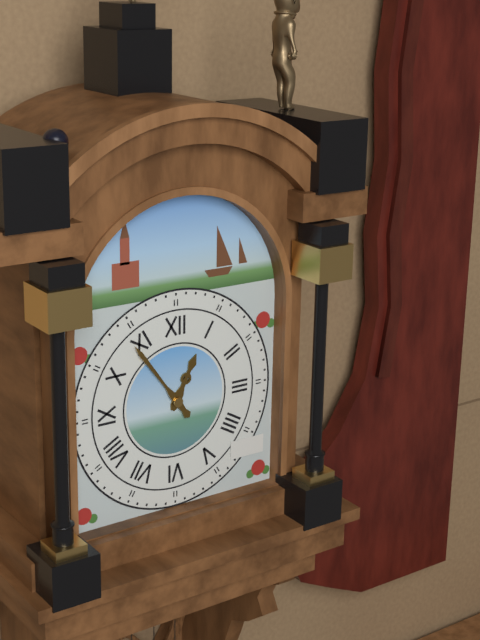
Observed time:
12:54
